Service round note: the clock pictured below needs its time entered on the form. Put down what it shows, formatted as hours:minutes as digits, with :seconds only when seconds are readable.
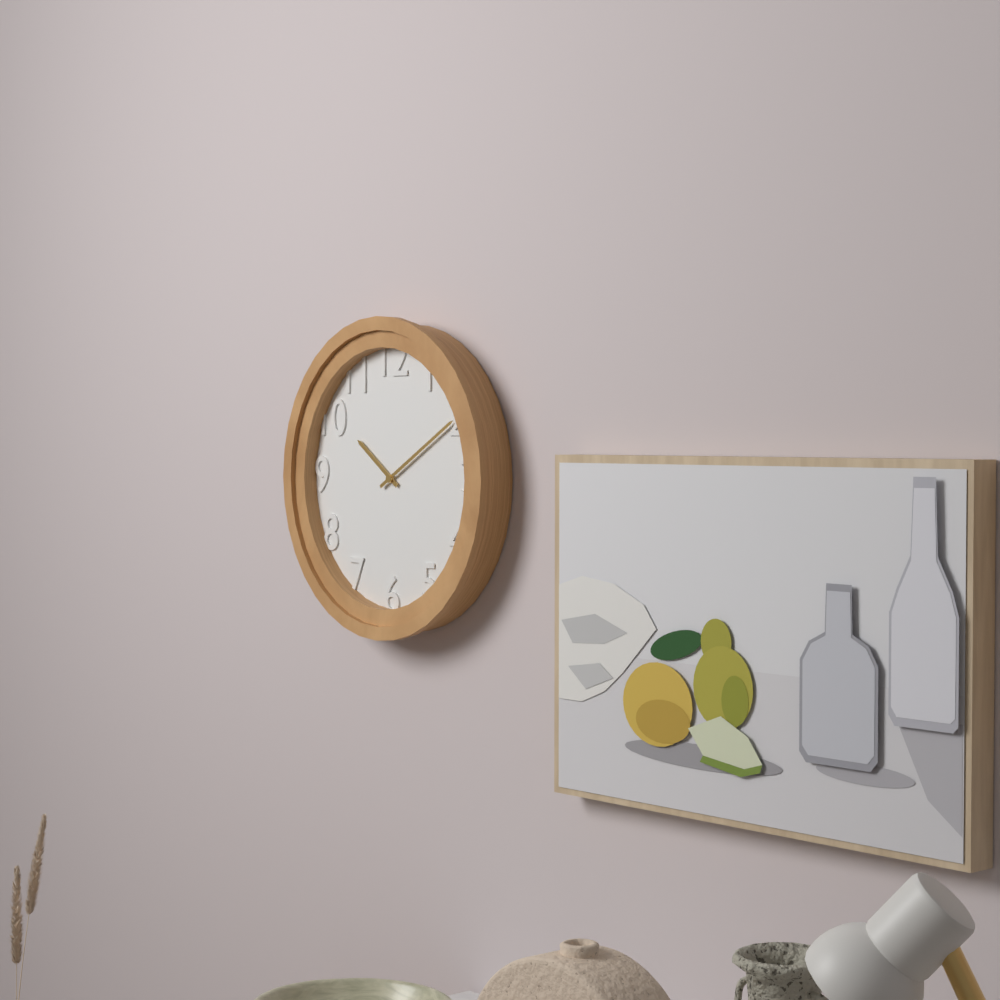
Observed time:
10:10
